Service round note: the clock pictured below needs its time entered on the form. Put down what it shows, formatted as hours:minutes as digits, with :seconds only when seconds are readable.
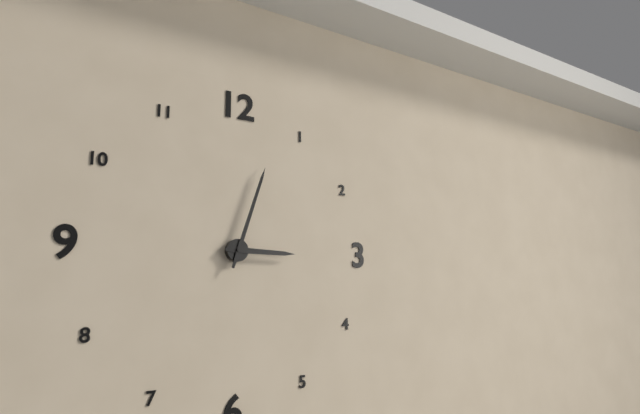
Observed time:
3:03
